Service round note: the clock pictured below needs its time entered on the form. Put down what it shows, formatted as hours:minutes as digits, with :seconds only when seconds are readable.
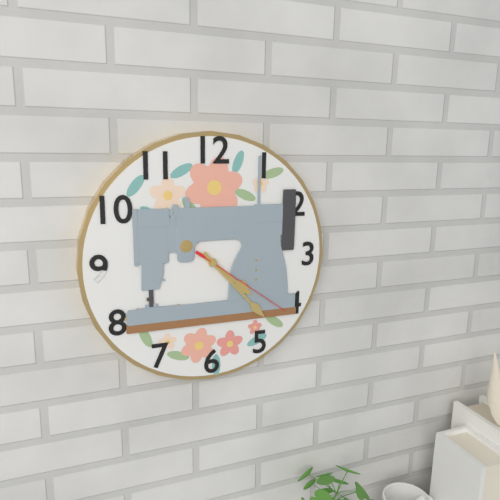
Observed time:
4:23:21
